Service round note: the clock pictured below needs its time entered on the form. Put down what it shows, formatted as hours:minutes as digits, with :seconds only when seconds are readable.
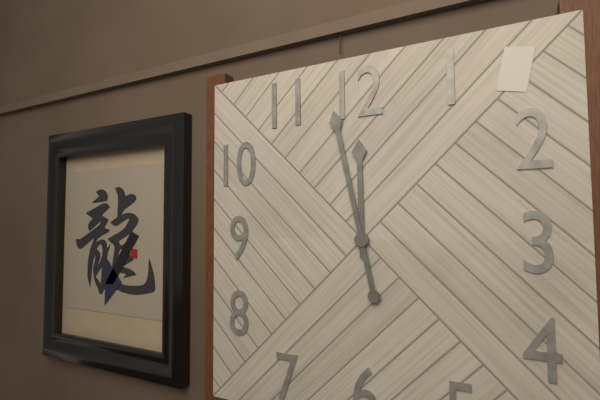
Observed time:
11:58
